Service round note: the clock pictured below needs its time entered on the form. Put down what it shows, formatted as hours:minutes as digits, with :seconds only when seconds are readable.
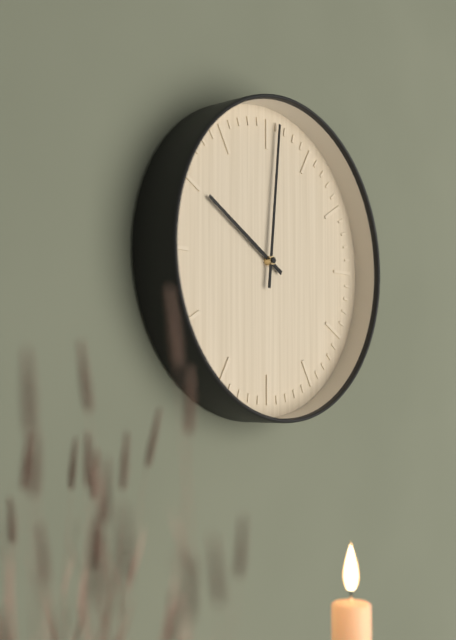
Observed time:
10:01
